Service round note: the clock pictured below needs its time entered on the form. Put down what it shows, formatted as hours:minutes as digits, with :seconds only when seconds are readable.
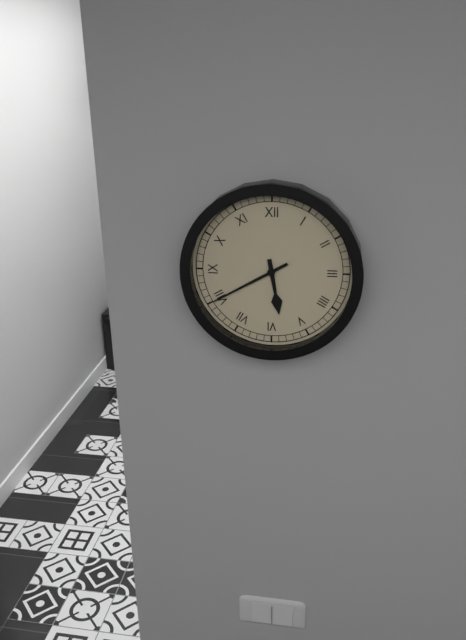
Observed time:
5:40
